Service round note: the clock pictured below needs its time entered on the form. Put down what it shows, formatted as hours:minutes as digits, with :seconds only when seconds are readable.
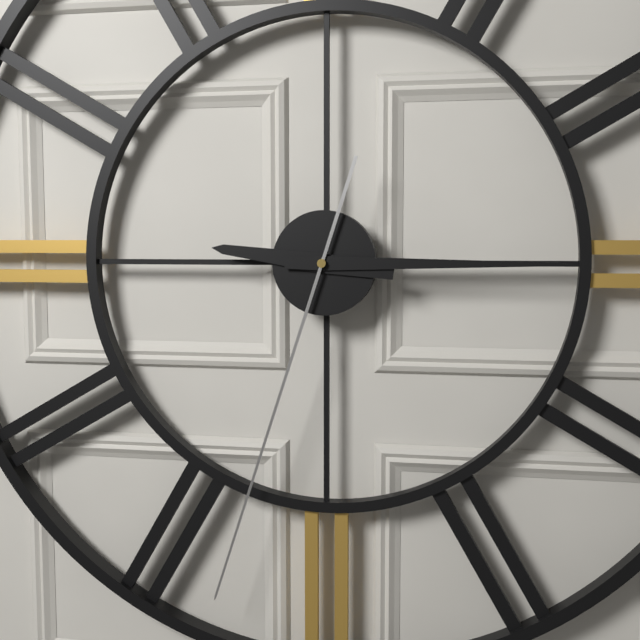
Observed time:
9:15:33
